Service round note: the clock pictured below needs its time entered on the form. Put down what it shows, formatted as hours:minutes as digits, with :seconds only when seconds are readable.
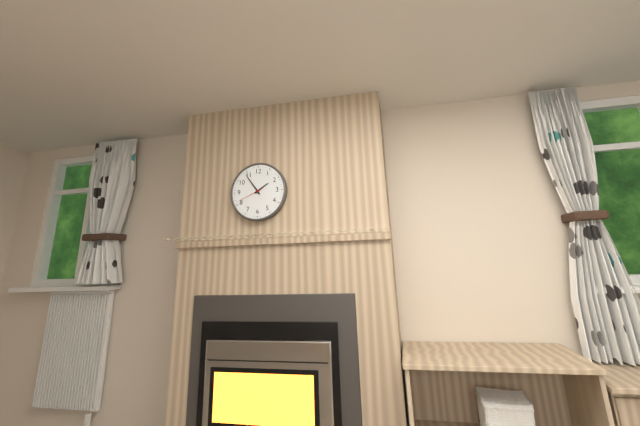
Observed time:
1:54
